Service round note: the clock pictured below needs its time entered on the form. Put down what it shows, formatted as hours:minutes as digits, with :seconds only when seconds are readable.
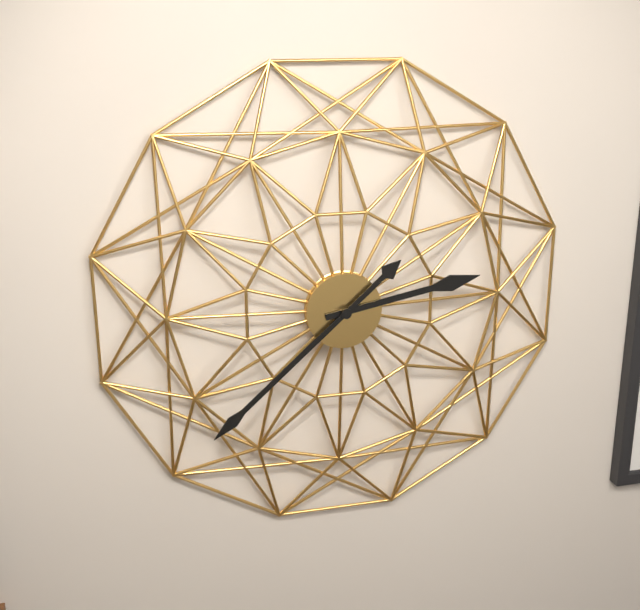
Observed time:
2:38
